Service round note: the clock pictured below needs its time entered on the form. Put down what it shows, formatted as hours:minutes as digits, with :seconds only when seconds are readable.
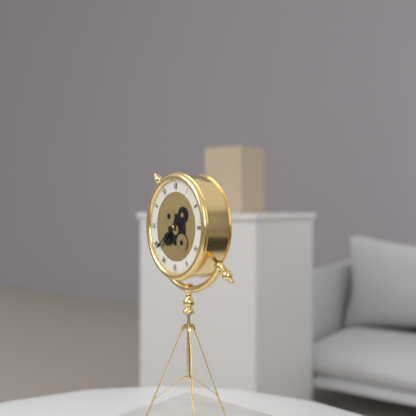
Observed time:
7:39
